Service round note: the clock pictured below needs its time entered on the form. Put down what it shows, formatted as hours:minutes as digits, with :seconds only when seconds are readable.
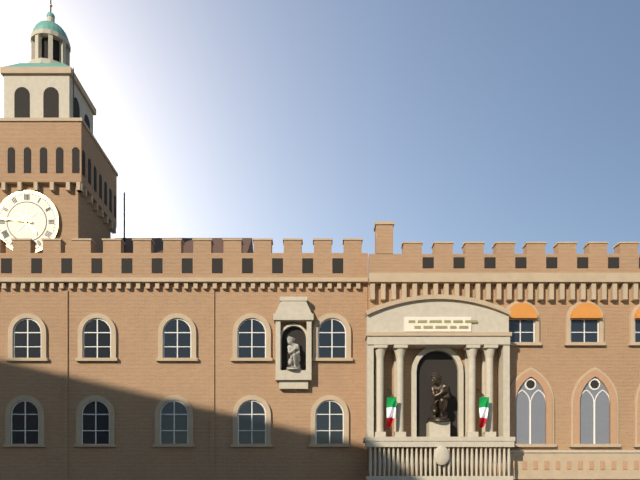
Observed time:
4:46
